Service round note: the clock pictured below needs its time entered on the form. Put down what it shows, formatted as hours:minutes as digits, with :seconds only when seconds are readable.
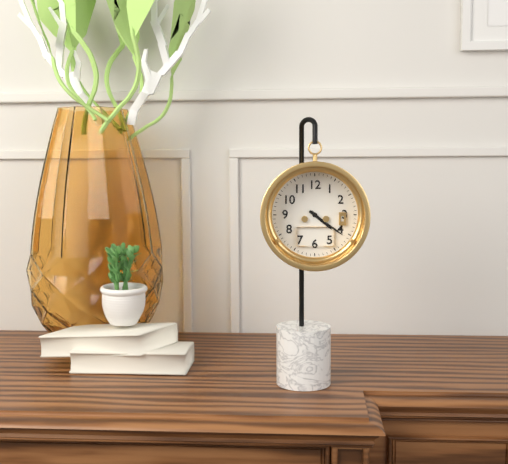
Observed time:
4:21
